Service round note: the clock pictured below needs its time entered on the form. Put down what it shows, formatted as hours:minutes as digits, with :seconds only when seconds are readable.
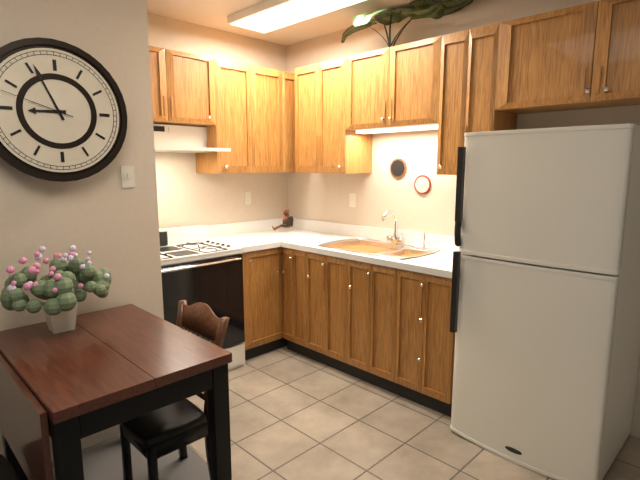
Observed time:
8:56:48
